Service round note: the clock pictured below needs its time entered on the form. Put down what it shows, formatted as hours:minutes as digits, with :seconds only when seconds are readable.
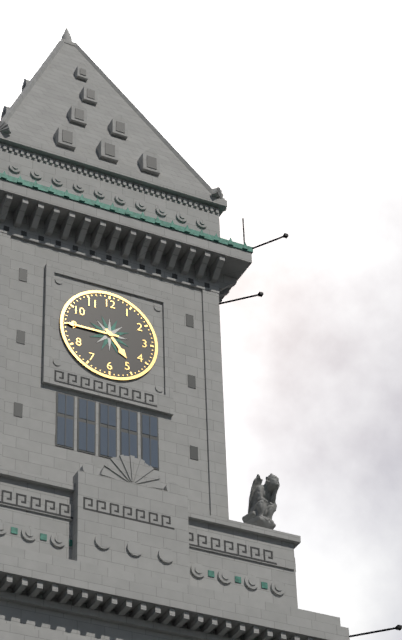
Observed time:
4:45
